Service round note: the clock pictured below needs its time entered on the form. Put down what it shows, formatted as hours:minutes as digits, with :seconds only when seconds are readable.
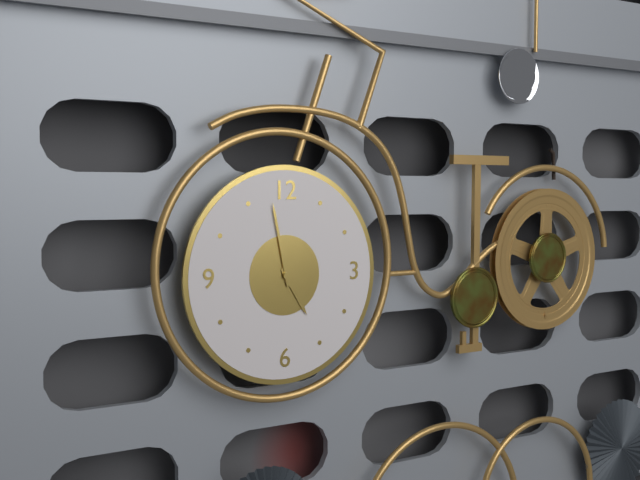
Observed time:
4:58
